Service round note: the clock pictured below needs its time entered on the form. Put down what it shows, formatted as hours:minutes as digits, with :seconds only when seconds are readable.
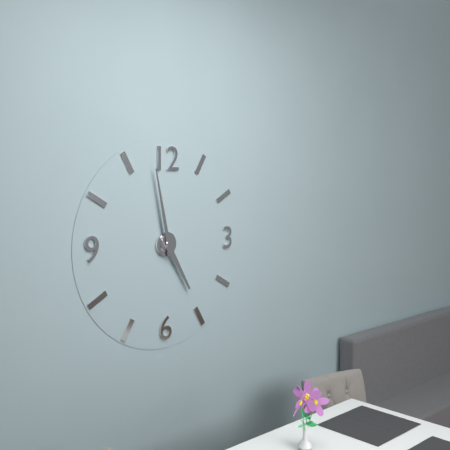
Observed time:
4:58
